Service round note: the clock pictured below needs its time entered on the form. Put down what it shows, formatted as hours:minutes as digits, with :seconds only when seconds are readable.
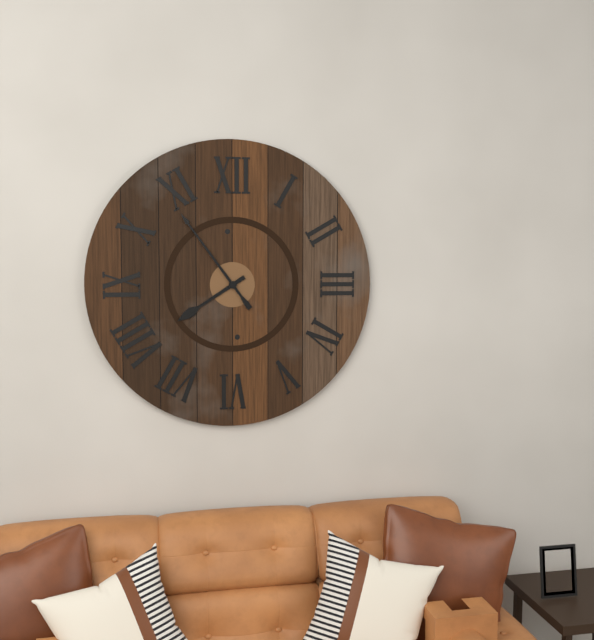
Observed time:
7:54
